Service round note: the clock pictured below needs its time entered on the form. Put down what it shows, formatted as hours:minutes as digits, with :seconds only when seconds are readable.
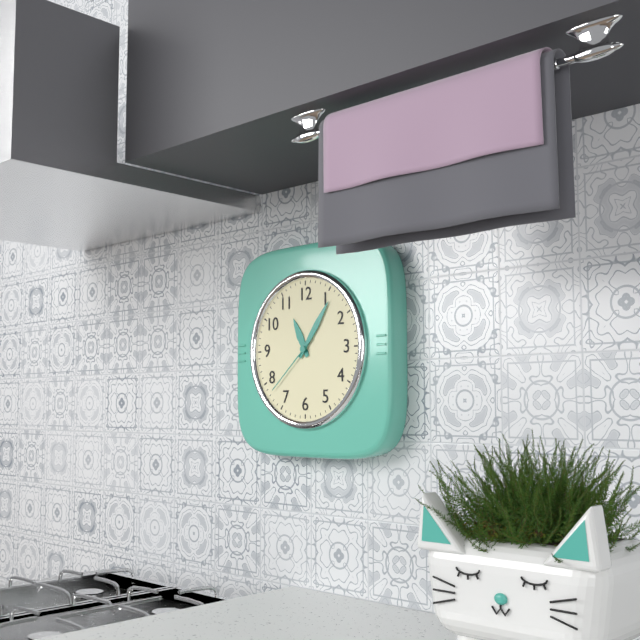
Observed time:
11:06:38
